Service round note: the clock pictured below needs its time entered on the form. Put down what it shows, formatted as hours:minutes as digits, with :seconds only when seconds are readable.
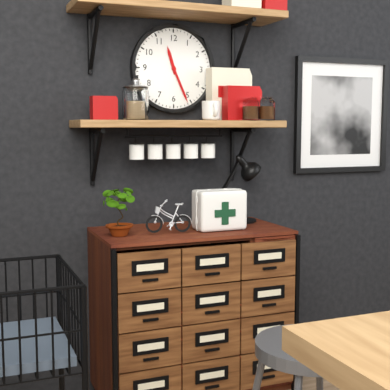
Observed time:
11:26
